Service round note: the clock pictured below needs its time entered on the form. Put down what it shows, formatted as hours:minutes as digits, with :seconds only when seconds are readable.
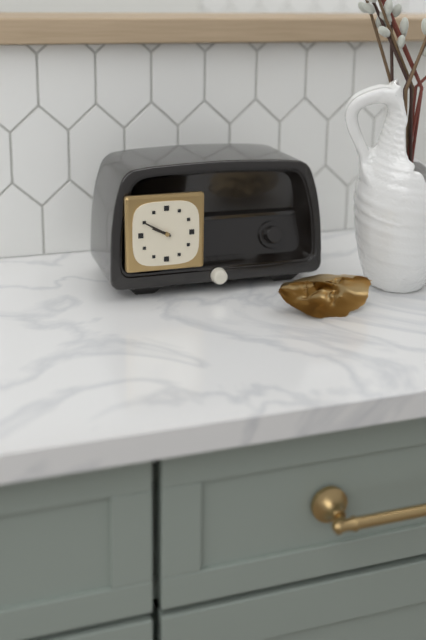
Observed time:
9:50
